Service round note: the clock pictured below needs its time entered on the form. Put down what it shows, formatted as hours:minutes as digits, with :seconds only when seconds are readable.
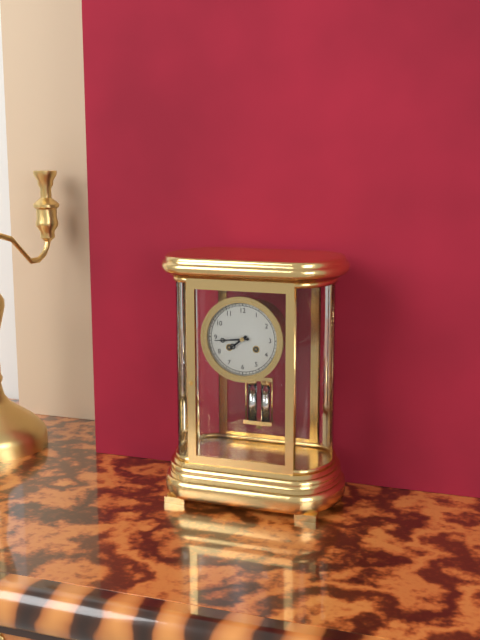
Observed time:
7:44
